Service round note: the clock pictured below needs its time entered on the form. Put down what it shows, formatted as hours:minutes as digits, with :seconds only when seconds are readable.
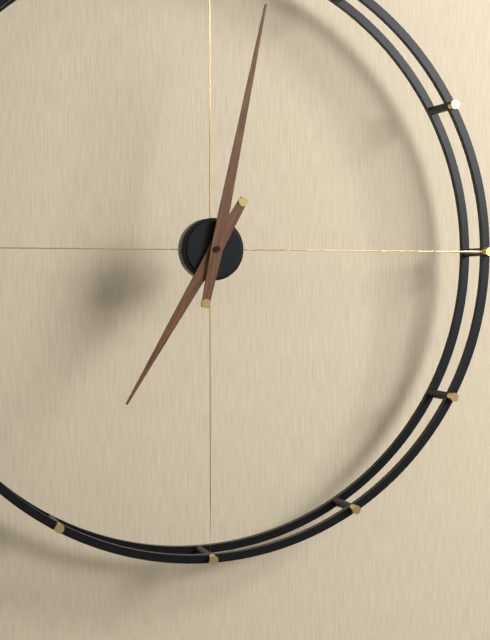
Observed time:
7:02
